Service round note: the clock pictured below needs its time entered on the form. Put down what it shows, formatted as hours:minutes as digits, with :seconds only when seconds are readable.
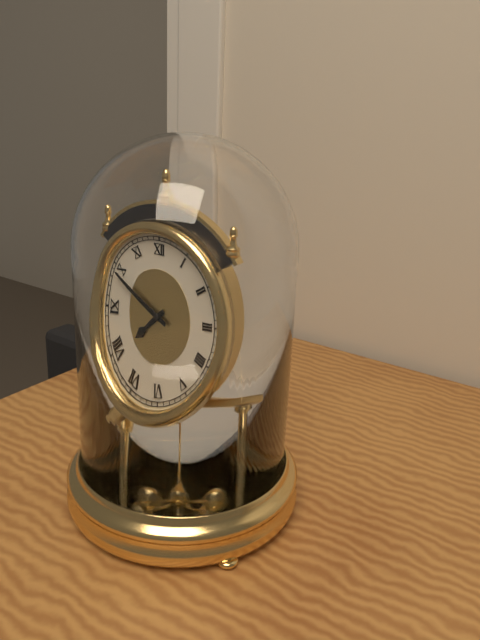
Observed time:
7:49
